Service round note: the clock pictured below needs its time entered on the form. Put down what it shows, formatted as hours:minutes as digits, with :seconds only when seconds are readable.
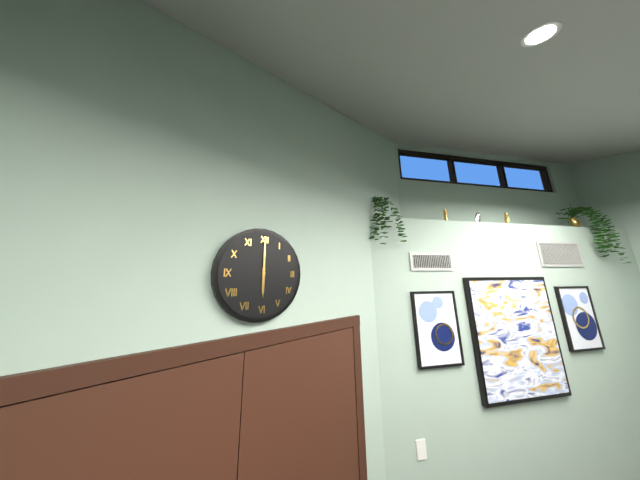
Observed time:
6:00
